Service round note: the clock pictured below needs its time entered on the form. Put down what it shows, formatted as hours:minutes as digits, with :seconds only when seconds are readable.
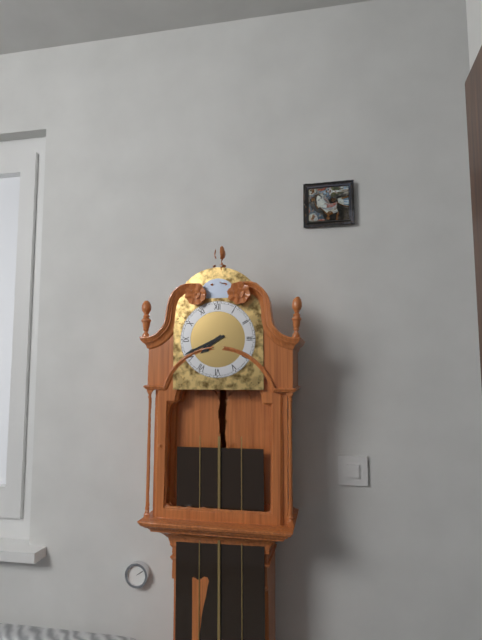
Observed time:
7:41
